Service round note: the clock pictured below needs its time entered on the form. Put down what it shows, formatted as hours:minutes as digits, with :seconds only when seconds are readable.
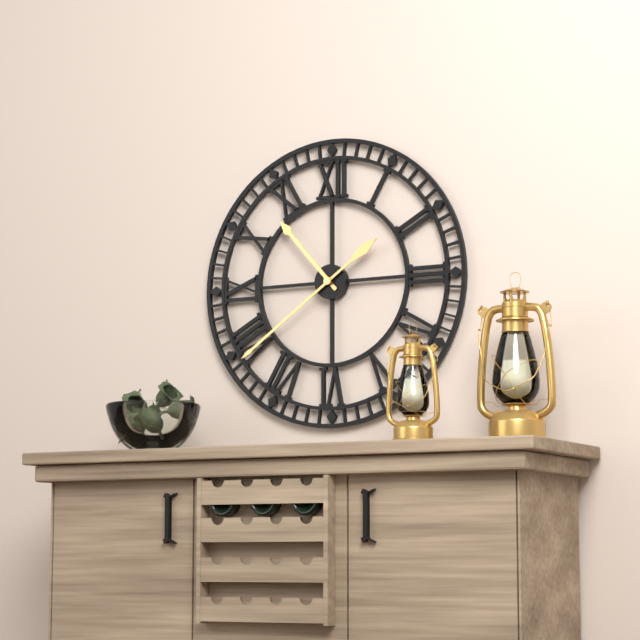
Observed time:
10:39
